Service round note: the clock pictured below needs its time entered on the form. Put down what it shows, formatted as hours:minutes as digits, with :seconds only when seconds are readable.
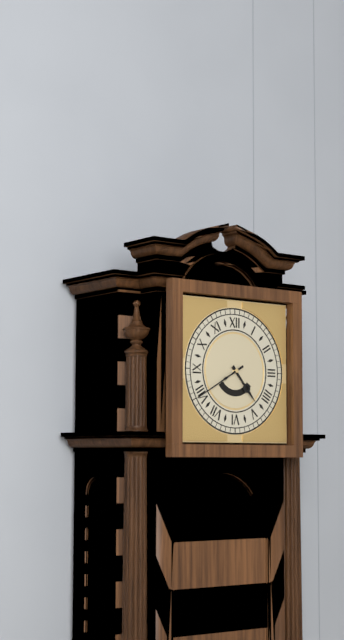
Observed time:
4:40
